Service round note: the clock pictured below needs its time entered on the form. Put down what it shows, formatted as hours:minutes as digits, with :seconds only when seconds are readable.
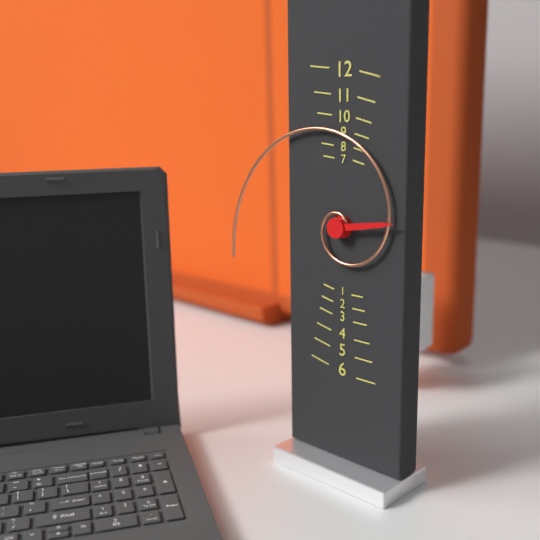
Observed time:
2:42
